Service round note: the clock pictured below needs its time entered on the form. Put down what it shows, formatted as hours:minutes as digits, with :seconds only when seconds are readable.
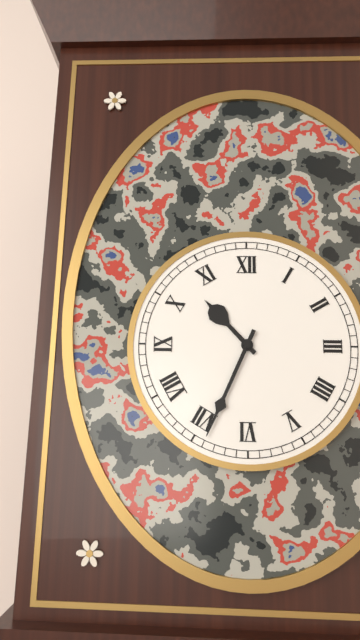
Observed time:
10:34
